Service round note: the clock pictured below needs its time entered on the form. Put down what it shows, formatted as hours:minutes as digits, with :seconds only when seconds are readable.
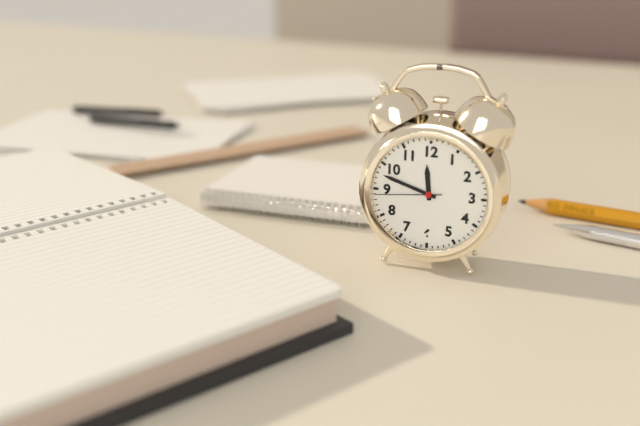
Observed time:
11:48:44
